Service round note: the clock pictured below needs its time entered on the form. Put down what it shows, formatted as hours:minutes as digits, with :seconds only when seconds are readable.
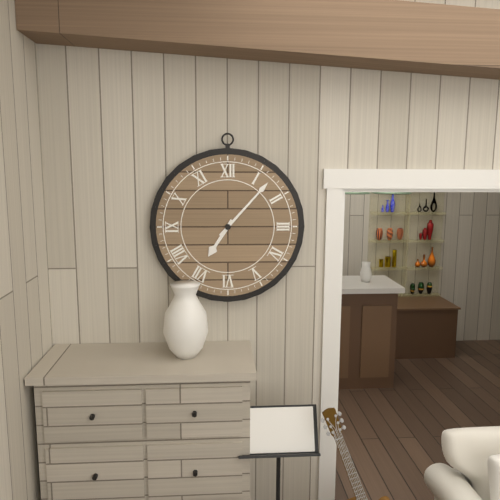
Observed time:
7:07
